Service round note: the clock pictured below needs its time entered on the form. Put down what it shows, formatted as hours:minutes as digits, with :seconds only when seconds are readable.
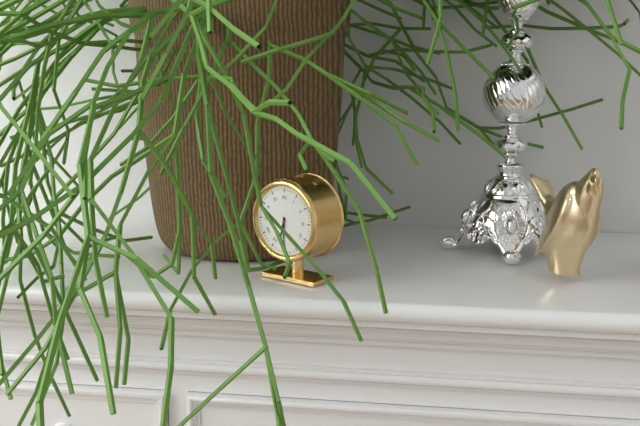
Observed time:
6:30
